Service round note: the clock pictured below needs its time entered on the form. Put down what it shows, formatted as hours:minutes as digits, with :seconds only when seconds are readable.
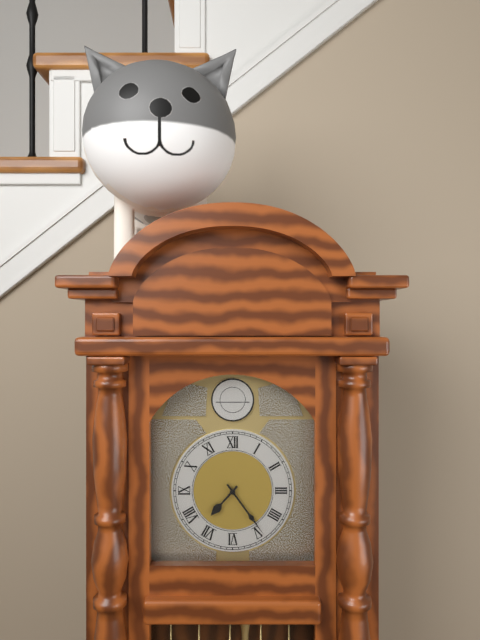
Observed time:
7:24
